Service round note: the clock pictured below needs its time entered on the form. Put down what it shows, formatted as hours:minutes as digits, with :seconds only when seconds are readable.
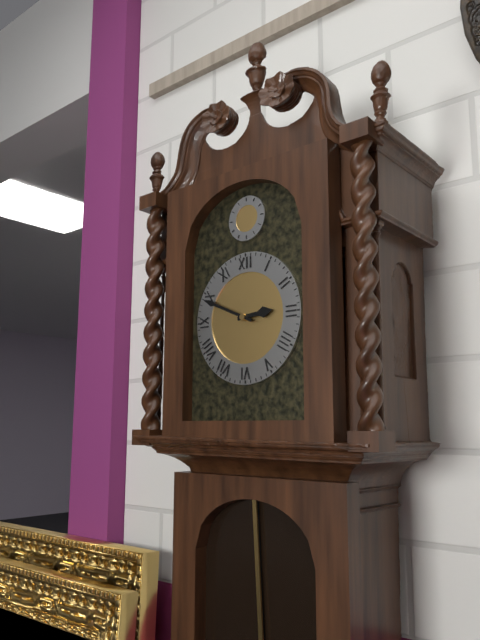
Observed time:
2:49
